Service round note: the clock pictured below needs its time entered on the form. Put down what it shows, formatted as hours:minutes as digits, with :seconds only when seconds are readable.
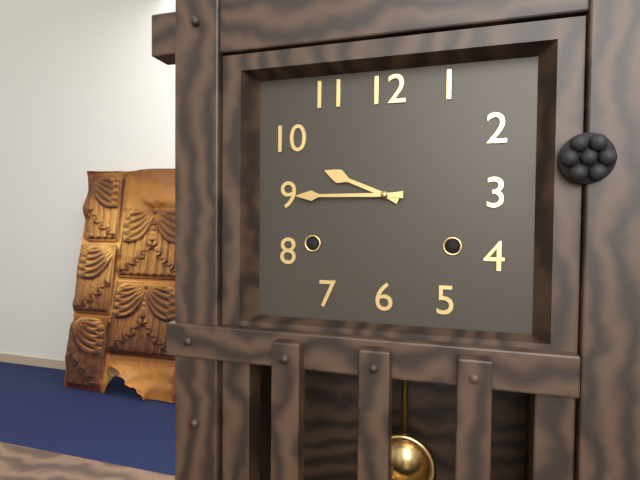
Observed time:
9:45
